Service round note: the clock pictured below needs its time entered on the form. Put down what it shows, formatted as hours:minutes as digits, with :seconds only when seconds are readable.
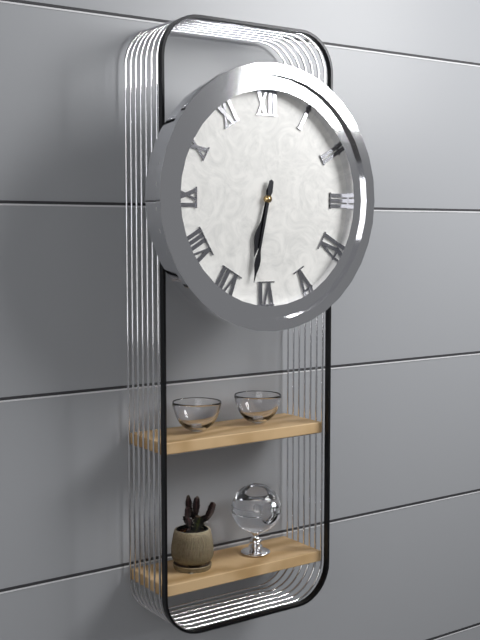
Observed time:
6:32
